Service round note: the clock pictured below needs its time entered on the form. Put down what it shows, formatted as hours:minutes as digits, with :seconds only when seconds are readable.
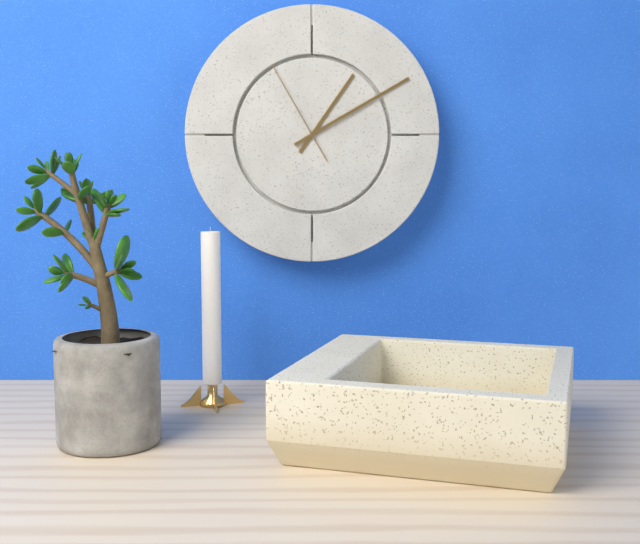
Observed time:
1:10:55
